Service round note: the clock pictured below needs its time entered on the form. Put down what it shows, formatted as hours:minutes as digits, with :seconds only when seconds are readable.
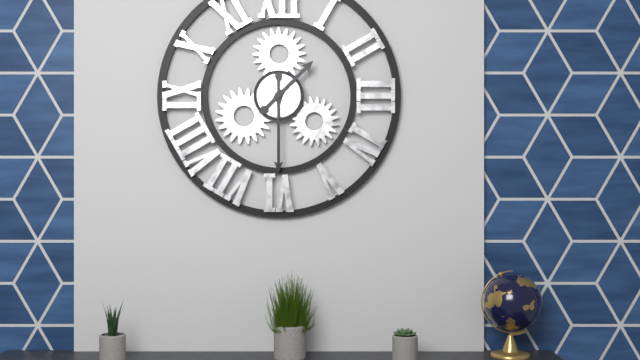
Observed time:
1:30
